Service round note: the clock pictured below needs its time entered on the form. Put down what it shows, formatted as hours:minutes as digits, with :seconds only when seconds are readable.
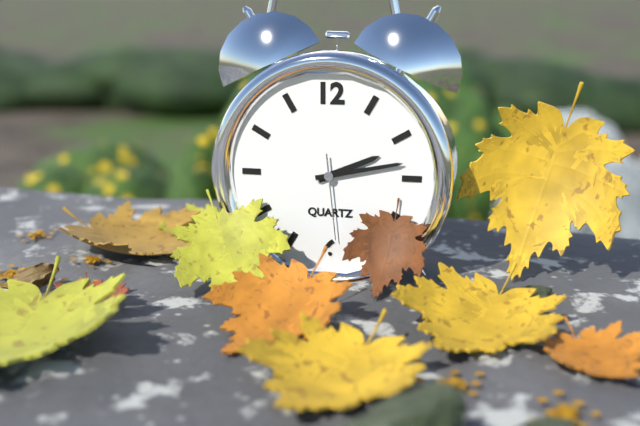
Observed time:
2:13:29
